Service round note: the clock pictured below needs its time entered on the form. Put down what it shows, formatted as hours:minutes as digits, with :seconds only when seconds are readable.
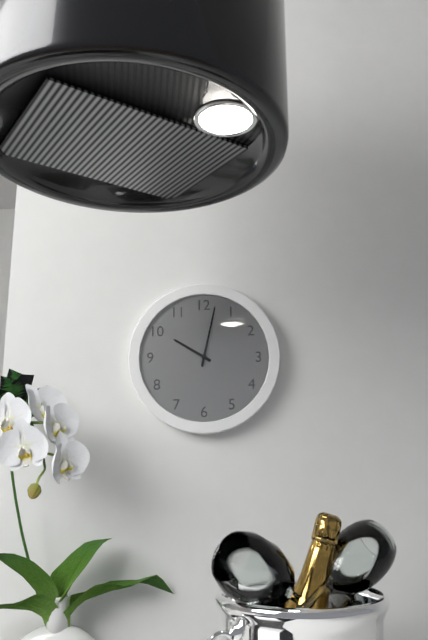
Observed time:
10:02
